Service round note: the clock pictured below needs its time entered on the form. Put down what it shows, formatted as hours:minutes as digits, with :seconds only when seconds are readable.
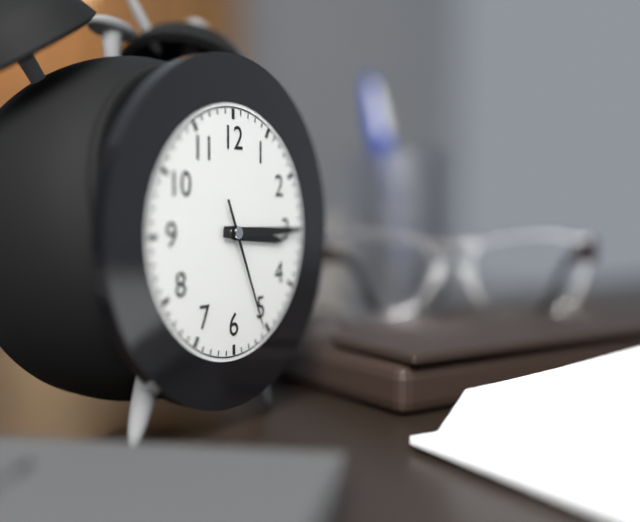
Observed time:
3:15:26
